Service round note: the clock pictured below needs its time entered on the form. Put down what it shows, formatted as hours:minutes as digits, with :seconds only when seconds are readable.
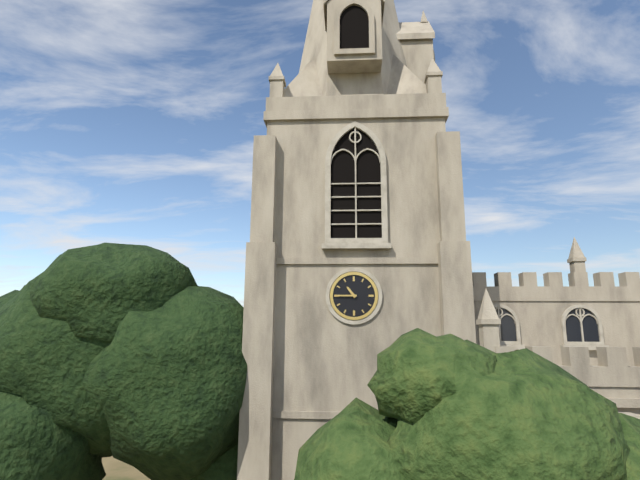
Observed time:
10:45
